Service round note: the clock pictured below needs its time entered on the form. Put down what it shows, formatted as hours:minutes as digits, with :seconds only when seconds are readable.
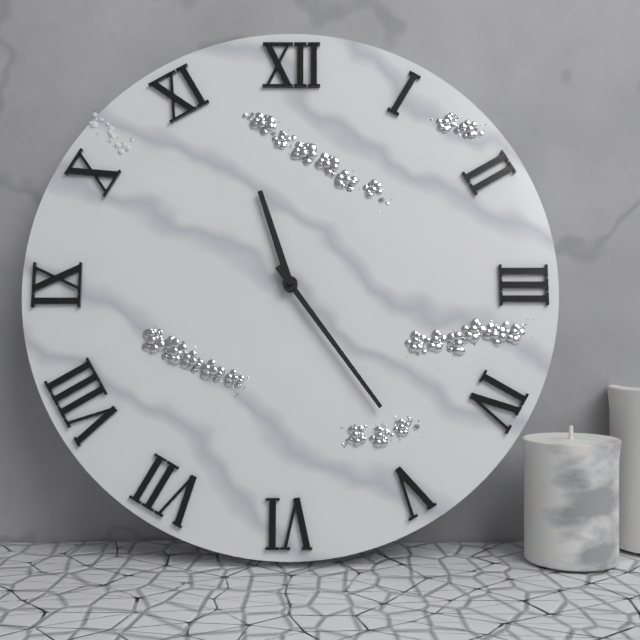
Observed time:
11:24
